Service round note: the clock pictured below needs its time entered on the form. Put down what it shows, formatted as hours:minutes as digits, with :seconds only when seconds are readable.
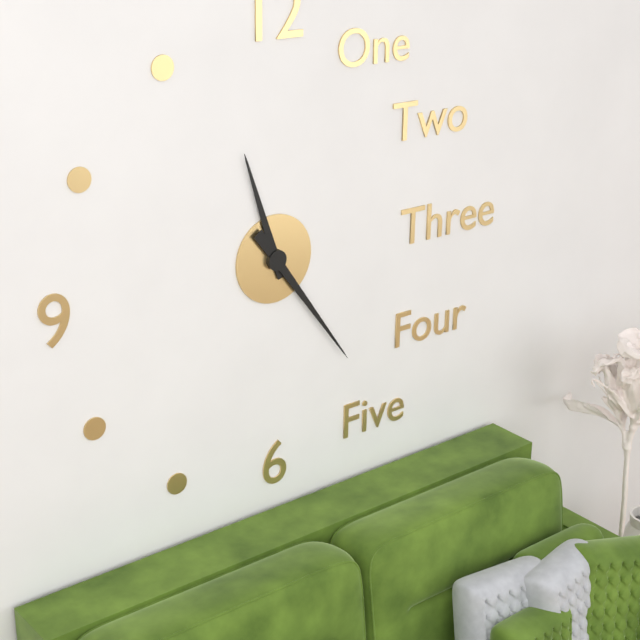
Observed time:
11:24
